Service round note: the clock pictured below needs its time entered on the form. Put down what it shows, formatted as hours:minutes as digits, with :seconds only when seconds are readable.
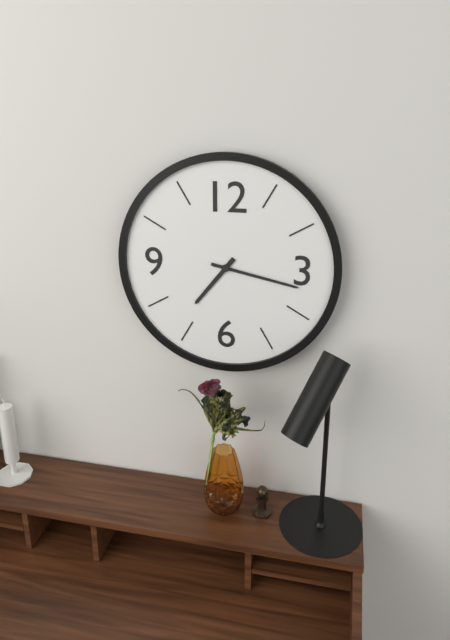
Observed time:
7:17
